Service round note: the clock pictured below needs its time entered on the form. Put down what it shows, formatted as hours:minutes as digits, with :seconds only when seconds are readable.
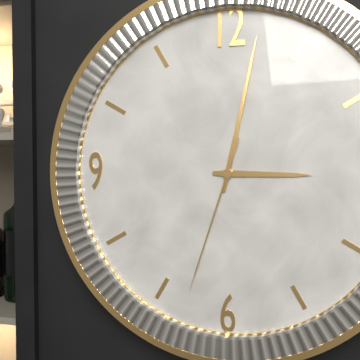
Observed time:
3:02:33
